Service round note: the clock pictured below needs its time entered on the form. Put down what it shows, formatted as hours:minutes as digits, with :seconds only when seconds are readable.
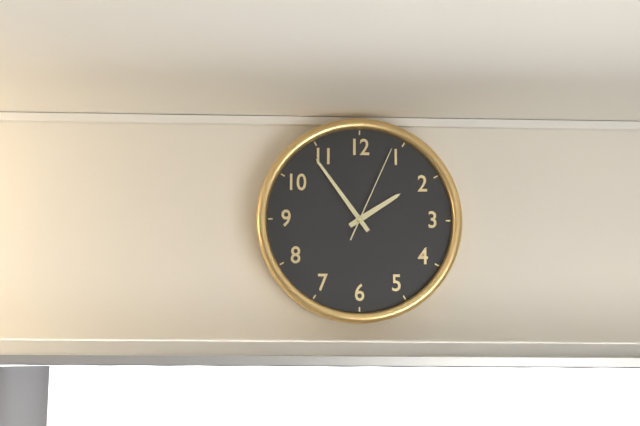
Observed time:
1:54:04
